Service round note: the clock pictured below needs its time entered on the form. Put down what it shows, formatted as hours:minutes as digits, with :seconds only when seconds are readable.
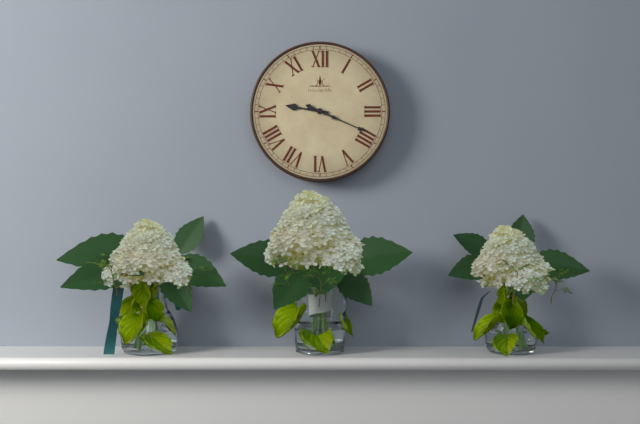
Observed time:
9:19
